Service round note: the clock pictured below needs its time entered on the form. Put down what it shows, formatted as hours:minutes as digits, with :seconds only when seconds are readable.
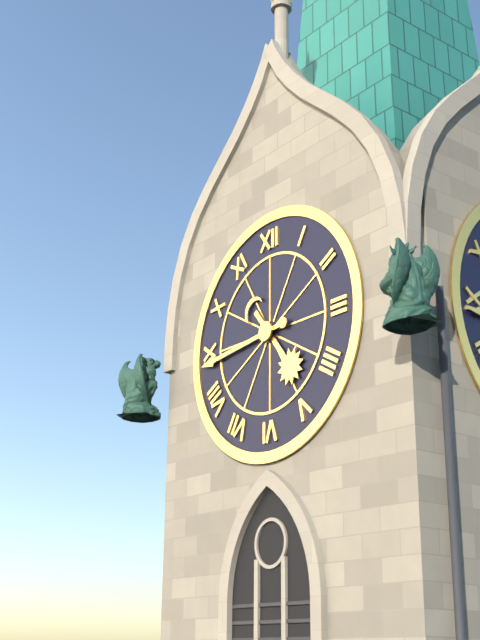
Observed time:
4:44
